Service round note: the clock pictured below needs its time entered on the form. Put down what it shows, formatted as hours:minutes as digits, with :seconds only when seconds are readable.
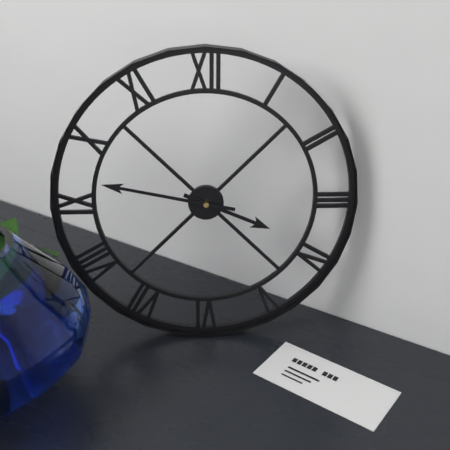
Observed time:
3:47
